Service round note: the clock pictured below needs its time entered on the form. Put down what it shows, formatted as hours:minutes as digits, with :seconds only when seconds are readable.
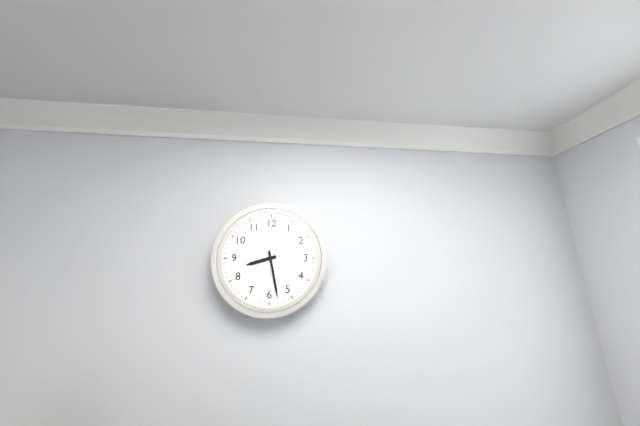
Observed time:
8:28
